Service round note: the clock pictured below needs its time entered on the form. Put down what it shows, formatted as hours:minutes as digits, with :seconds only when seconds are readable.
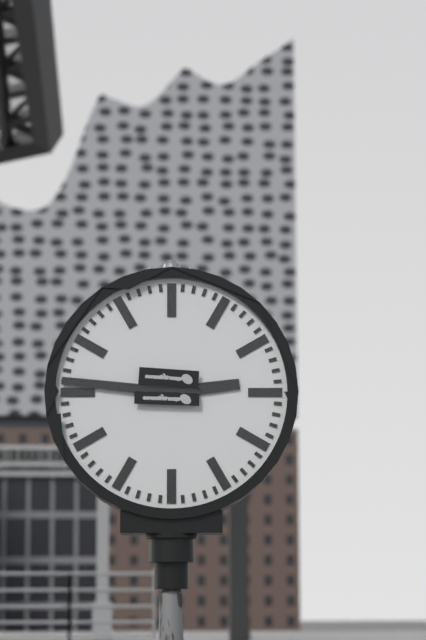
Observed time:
2:46
